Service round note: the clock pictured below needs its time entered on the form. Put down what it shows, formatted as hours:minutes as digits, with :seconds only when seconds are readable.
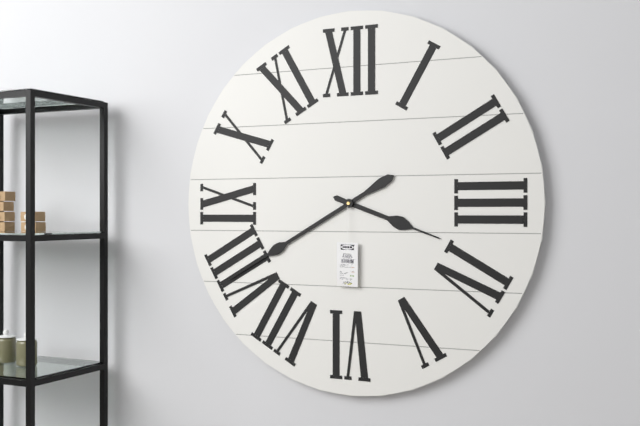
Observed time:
3:40
